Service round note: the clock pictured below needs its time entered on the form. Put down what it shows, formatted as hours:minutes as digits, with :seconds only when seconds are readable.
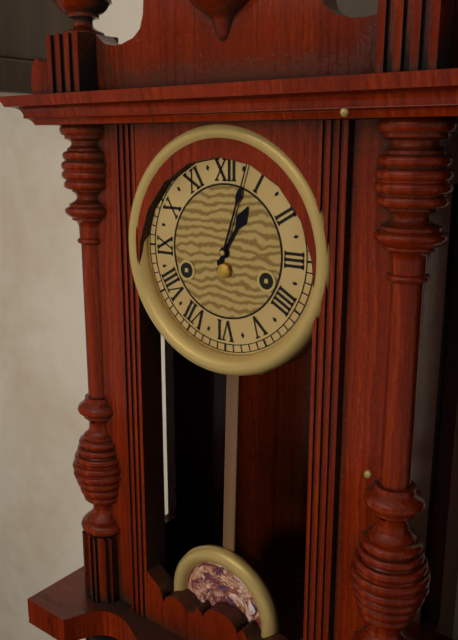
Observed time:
1:03
